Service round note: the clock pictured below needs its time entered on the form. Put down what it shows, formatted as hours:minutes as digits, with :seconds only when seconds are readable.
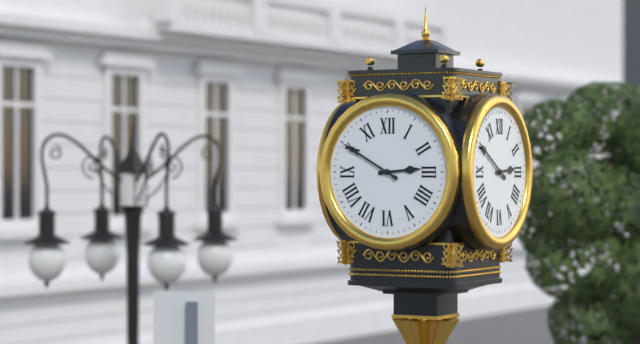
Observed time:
2:50
